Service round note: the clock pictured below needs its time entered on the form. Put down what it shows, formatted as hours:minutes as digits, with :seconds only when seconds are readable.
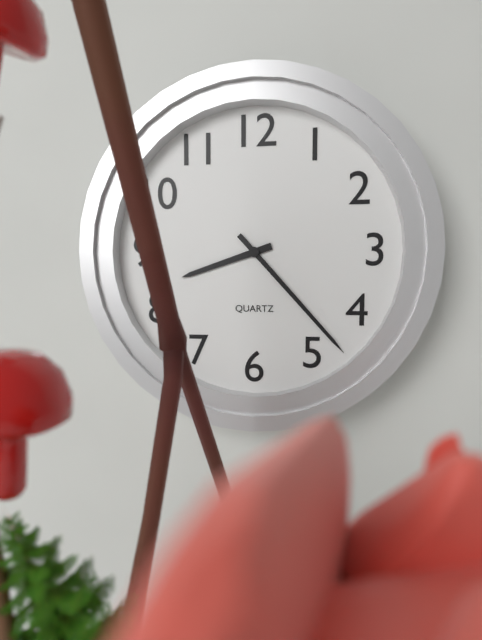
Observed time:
8:23
